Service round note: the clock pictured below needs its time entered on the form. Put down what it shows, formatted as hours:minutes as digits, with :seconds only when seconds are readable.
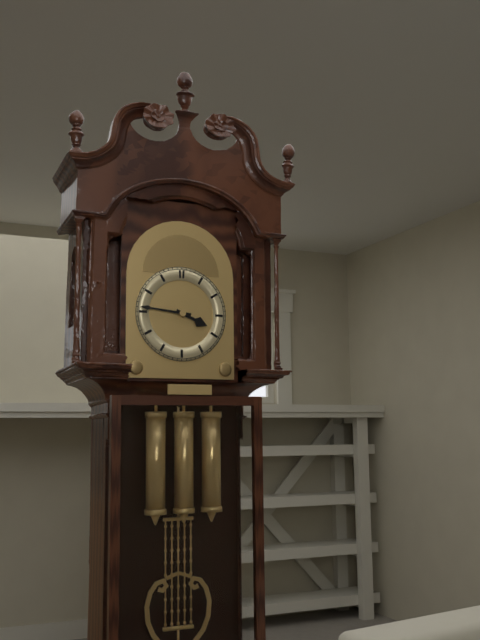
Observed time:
3:46
